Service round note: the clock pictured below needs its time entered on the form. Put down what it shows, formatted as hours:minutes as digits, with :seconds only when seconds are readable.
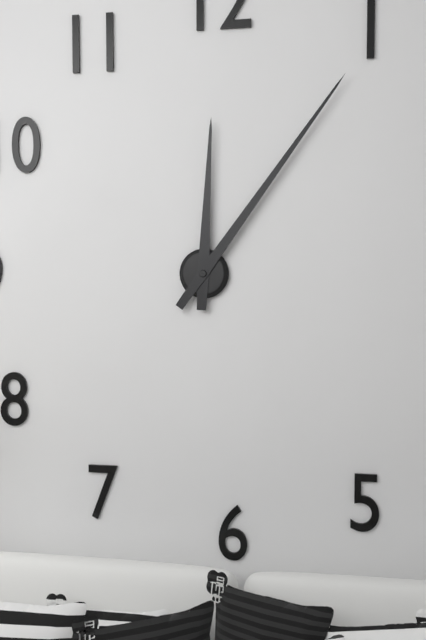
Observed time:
12:06
